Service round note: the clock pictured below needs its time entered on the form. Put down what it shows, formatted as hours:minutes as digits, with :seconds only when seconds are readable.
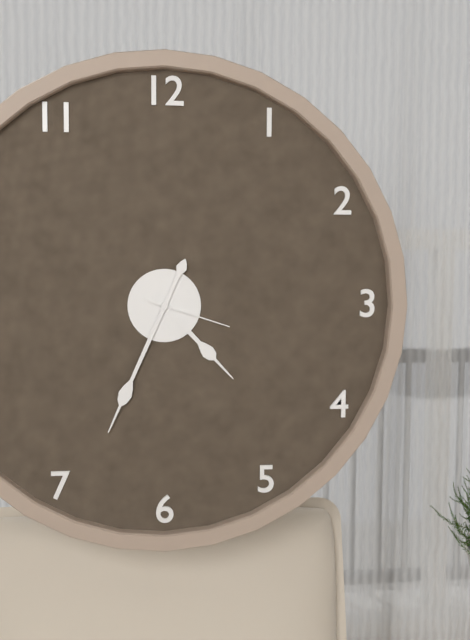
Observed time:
4:34:18
